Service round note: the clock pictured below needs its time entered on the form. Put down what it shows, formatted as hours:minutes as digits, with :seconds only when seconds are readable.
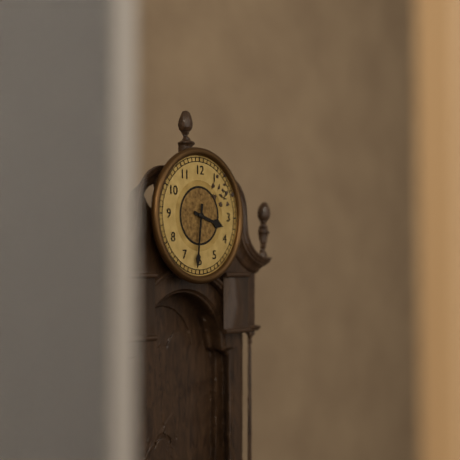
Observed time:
3:31
